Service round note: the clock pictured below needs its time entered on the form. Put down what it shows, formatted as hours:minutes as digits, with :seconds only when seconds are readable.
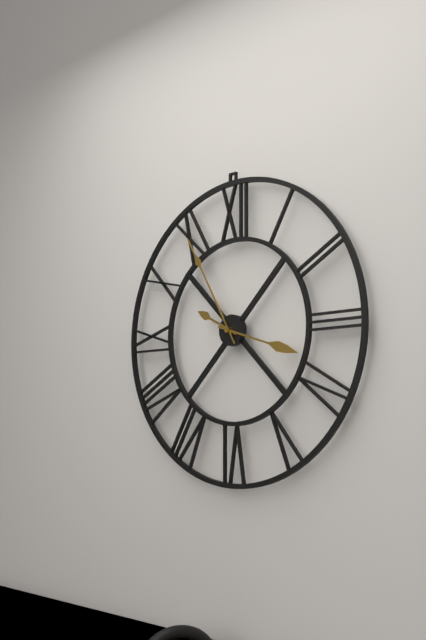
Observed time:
9:55:18
